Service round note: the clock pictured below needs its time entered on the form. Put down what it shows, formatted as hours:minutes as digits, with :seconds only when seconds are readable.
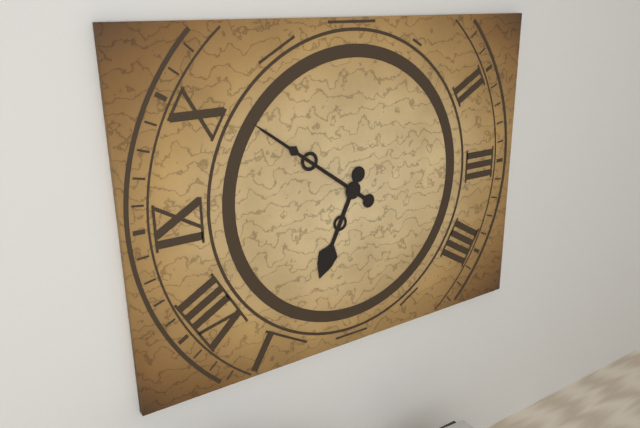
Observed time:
6:51
